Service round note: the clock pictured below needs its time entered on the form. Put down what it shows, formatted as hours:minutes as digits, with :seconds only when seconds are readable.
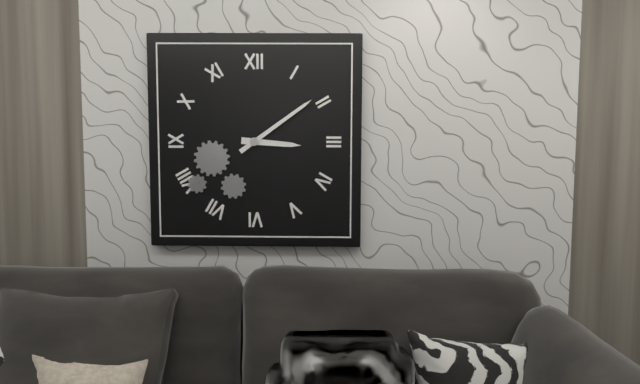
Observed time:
3:09
